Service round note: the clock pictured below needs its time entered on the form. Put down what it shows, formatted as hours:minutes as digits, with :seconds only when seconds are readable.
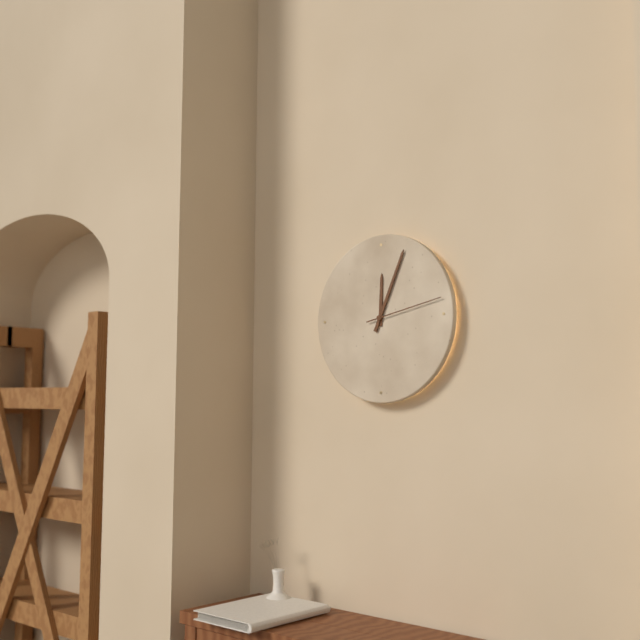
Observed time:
12:04:13
